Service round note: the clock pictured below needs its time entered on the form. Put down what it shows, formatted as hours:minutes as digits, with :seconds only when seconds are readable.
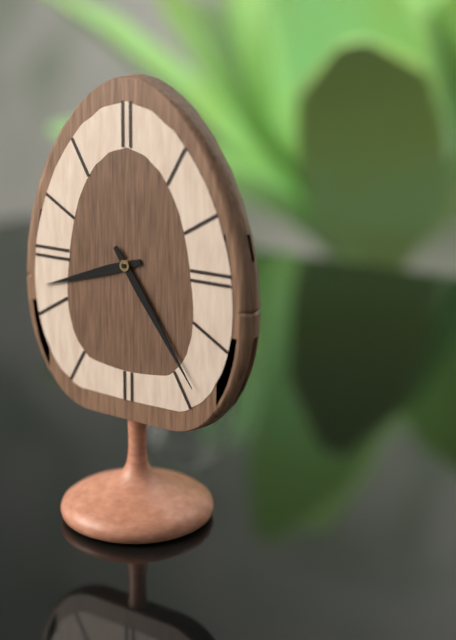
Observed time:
8:24
